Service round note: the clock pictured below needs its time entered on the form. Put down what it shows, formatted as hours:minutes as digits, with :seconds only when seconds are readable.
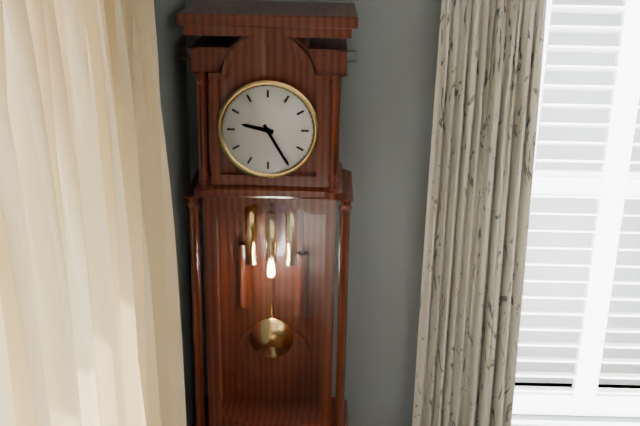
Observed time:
9:25
